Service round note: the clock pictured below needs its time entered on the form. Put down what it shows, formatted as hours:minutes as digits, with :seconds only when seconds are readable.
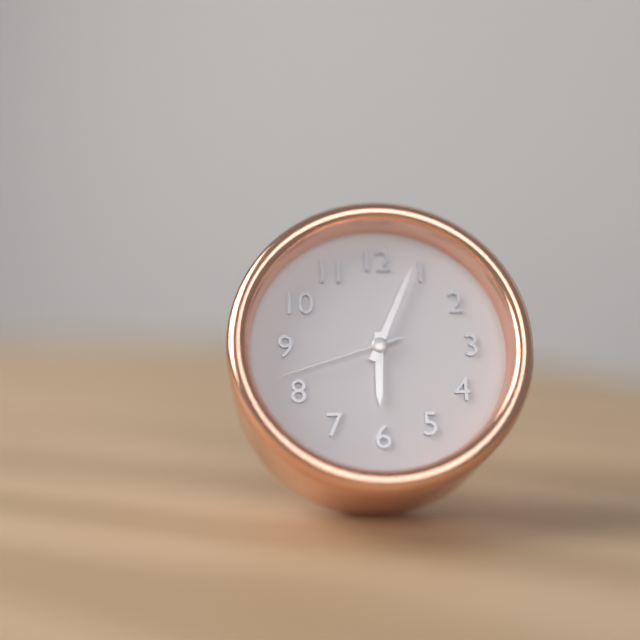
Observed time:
6:04:42
